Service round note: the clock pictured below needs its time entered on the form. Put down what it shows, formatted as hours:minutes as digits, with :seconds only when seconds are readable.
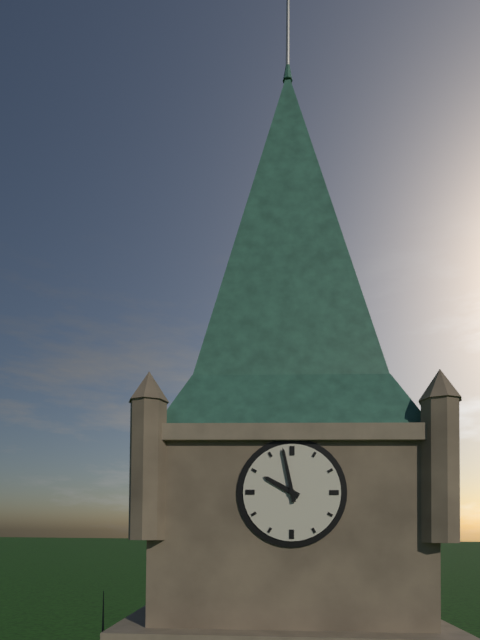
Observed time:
9:58
